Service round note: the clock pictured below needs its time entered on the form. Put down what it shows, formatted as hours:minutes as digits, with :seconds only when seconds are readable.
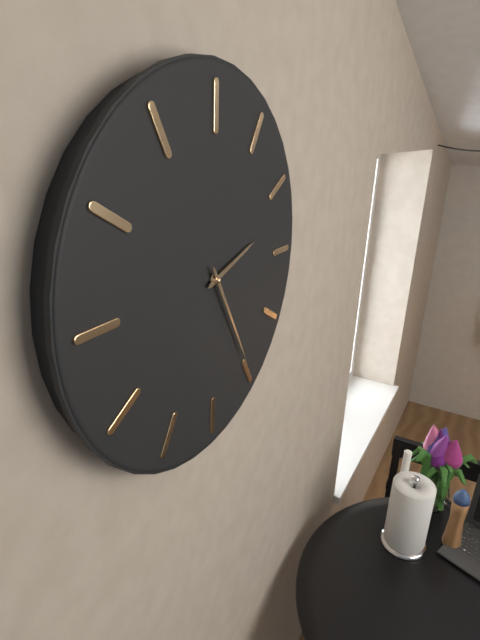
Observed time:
2:25
